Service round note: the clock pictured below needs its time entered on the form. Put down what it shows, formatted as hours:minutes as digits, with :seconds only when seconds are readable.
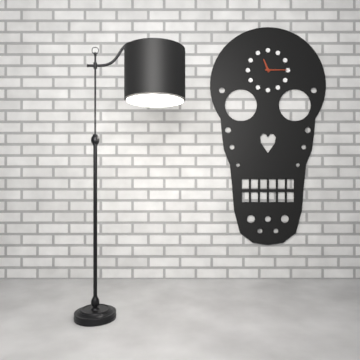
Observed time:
11:15
